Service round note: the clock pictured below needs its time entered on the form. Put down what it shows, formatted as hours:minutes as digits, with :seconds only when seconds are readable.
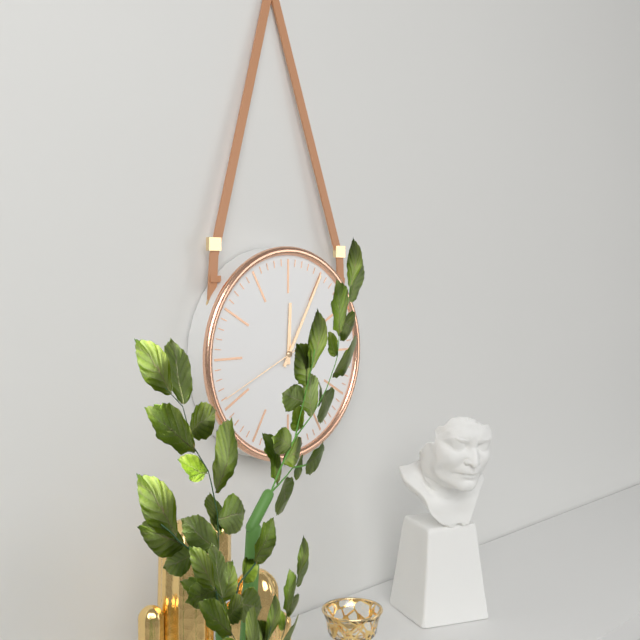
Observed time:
12:05:41
